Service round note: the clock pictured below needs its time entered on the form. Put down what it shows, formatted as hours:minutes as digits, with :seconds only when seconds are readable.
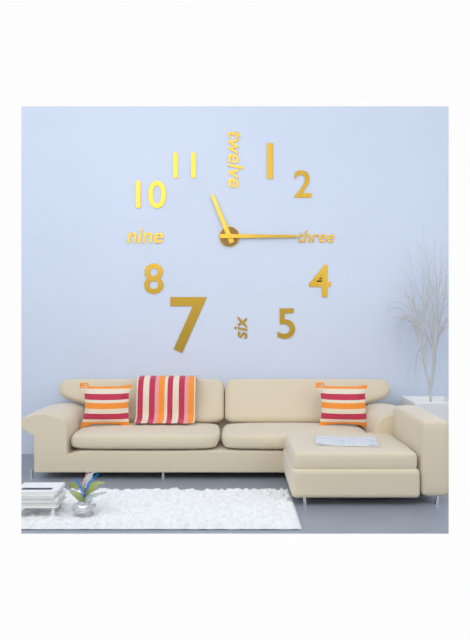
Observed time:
11:15
